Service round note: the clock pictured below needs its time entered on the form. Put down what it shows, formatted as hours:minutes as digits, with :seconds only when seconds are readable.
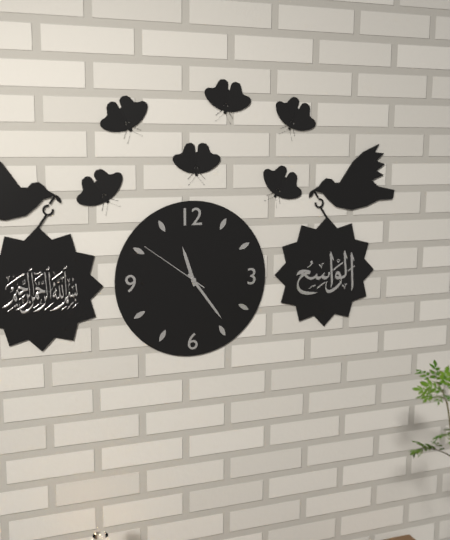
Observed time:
11:24:51
